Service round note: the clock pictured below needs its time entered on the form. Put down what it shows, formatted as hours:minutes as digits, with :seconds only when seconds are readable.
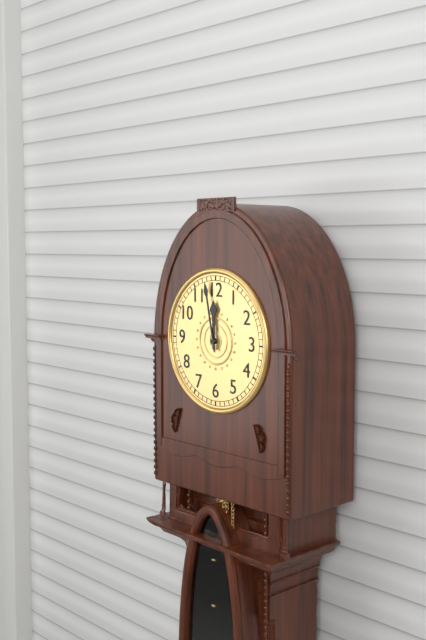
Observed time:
11:58
